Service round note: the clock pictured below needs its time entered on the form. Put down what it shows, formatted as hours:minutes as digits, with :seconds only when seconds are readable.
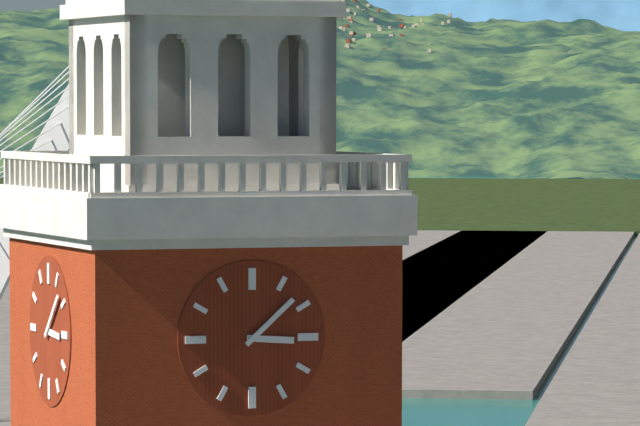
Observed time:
3:08
